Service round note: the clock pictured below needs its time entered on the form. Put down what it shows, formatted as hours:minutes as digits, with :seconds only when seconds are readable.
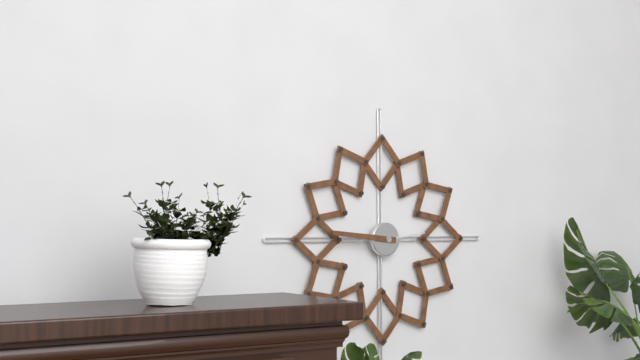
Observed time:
2:46
